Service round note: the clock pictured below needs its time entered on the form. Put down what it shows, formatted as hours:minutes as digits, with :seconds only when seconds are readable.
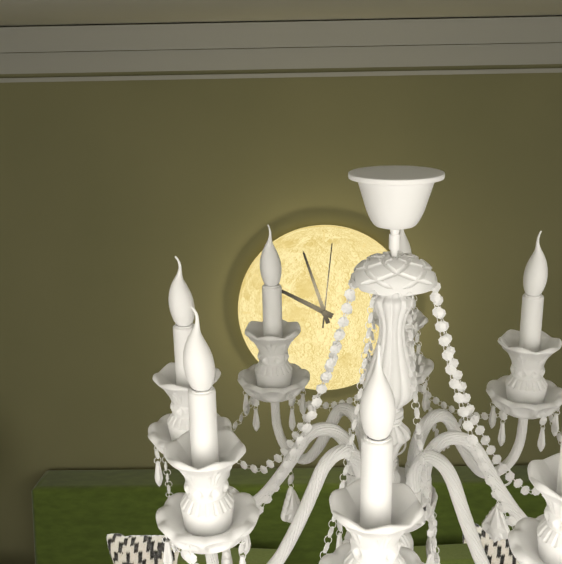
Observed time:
9:57:01
